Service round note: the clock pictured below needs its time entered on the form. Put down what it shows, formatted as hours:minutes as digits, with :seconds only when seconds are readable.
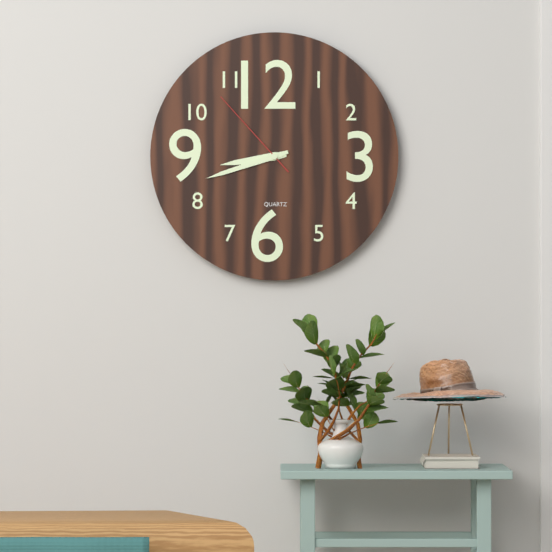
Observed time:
8:42:53
